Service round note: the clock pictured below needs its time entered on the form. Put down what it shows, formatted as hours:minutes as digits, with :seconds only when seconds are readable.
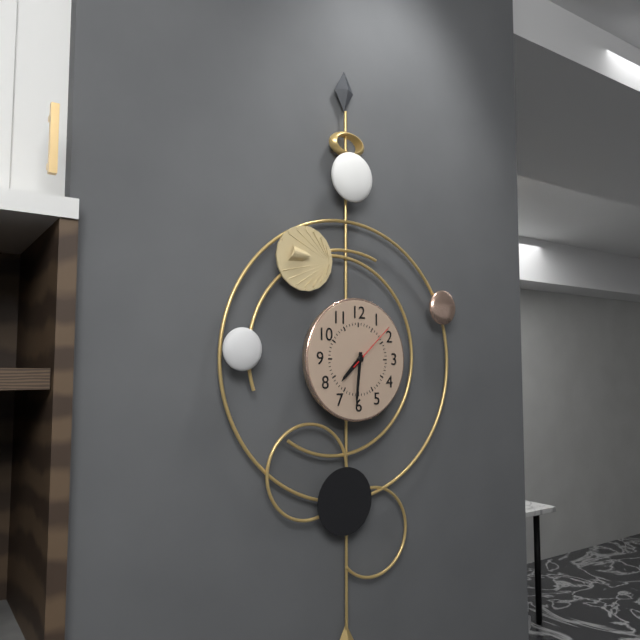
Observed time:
7:31:08
